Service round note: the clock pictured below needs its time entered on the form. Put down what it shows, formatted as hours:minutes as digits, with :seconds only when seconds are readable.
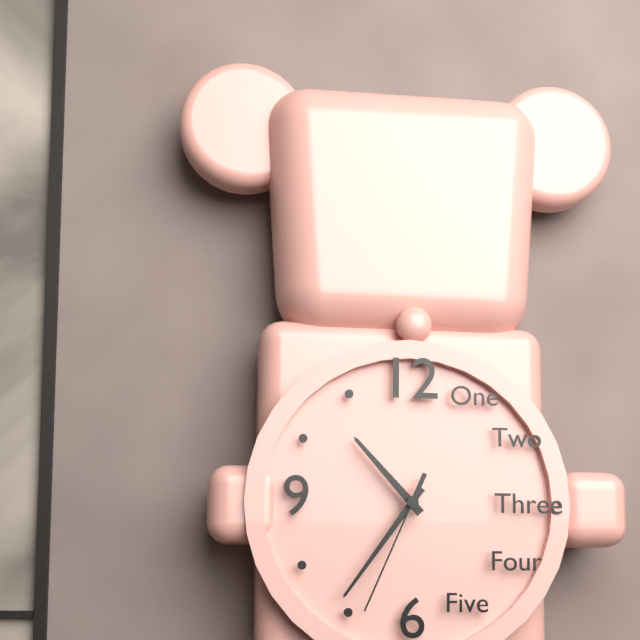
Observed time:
10:36:34
